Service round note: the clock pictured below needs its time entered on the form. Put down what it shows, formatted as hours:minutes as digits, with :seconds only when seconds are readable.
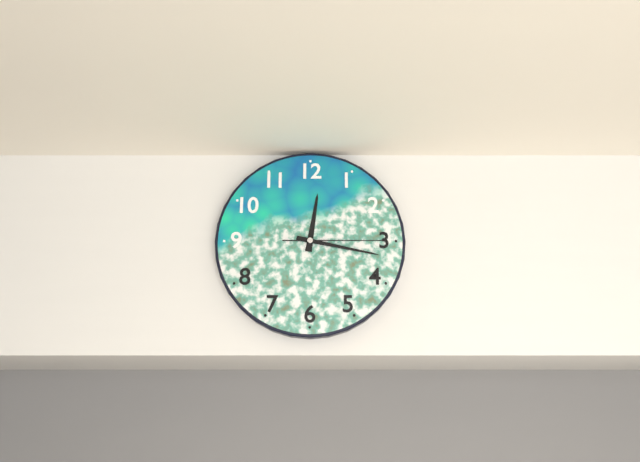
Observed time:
12:17:15
